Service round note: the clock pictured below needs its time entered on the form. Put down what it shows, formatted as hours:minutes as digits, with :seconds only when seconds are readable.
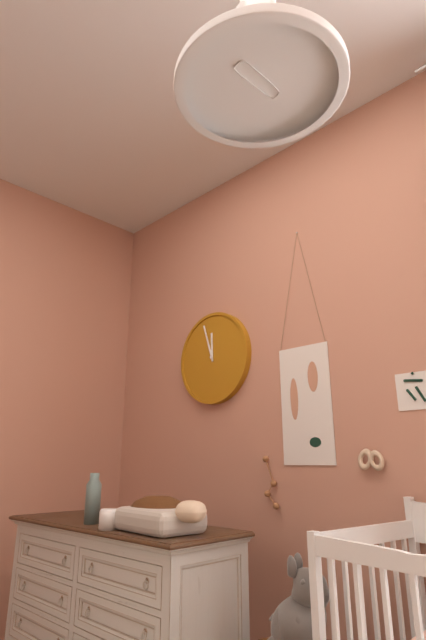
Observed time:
11:57
